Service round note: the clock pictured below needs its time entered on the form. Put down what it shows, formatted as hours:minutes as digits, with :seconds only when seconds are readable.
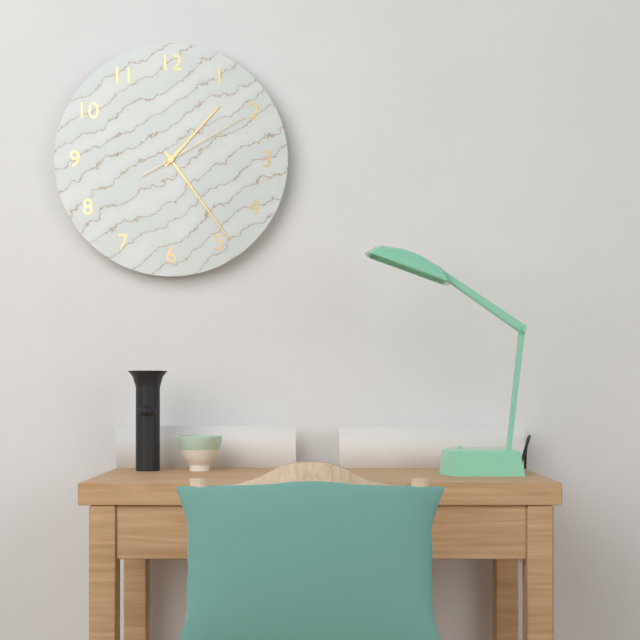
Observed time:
1:24:10
